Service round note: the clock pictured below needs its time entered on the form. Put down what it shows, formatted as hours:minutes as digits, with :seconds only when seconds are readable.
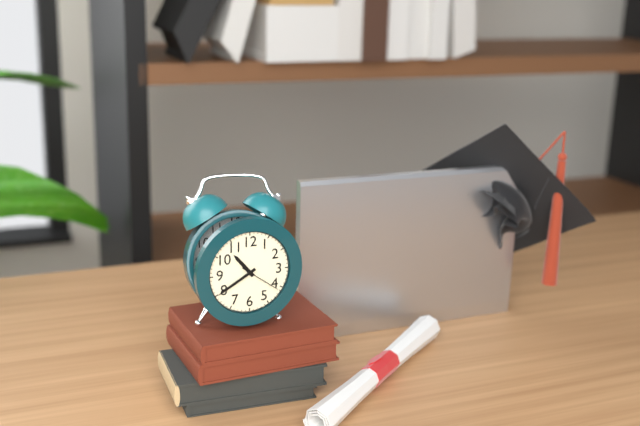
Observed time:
10:40
